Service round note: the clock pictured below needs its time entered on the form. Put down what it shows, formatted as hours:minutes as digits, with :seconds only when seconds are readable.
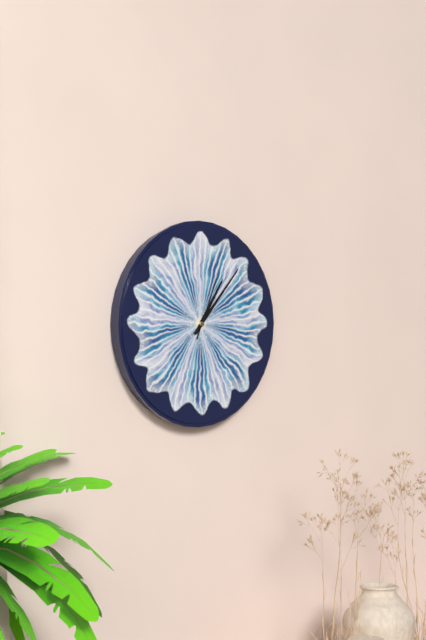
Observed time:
1:07:04
